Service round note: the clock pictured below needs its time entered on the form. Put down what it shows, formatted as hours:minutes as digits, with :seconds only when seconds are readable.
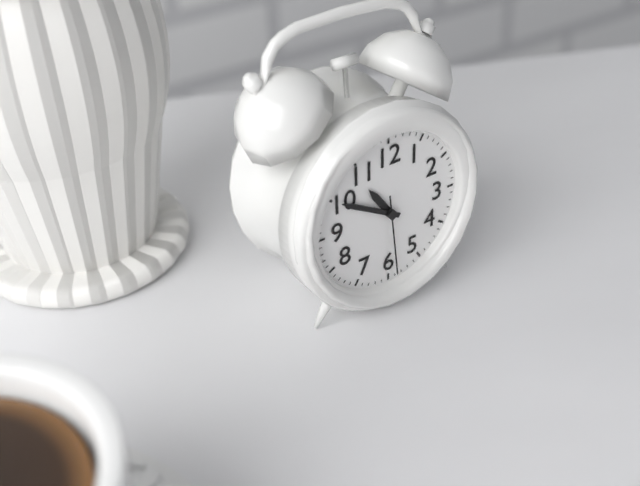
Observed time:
10:50:29
